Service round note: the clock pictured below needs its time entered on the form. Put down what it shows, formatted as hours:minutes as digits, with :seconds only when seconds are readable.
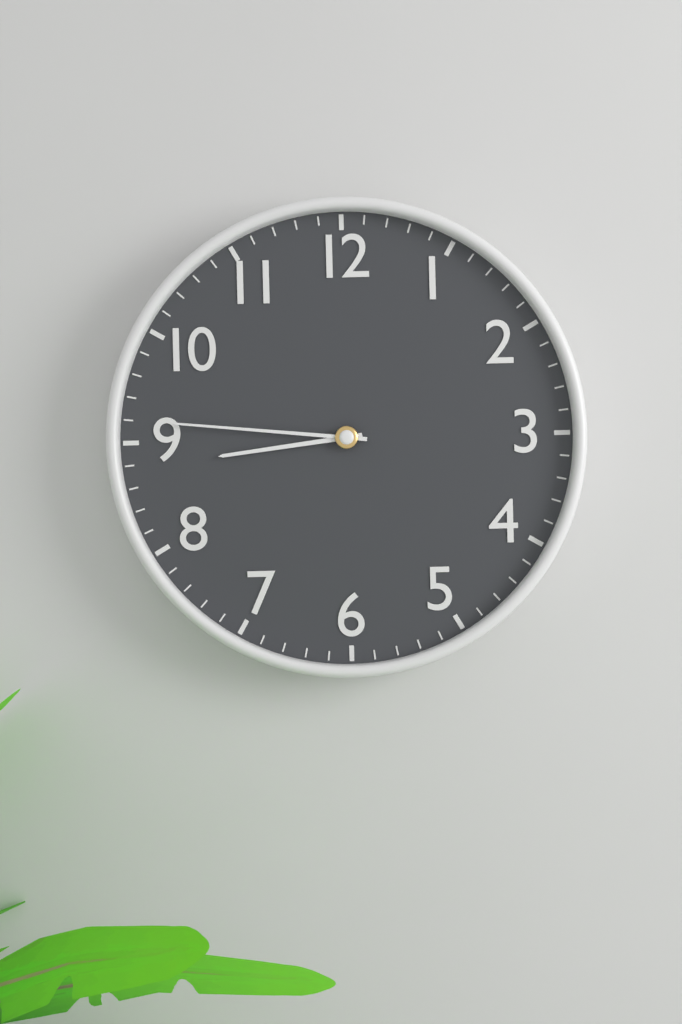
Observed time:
8:46
